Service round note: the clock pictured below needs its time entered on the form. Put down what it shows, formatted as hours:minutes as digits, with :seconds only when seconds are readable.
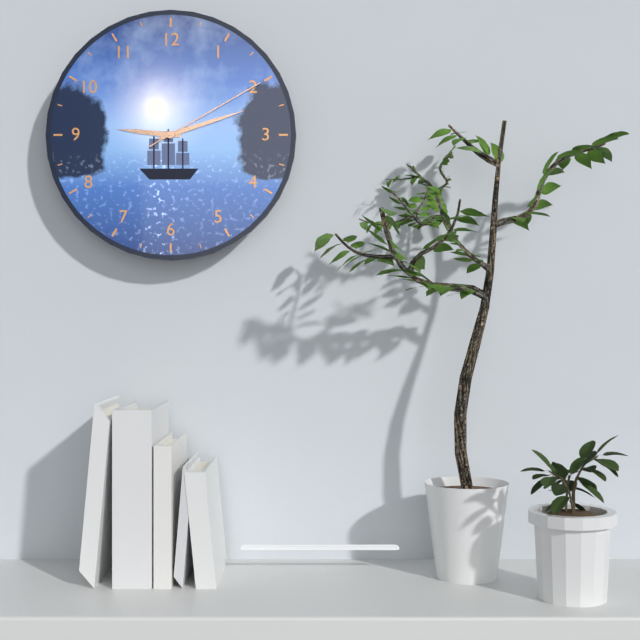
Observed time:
9:12:10
